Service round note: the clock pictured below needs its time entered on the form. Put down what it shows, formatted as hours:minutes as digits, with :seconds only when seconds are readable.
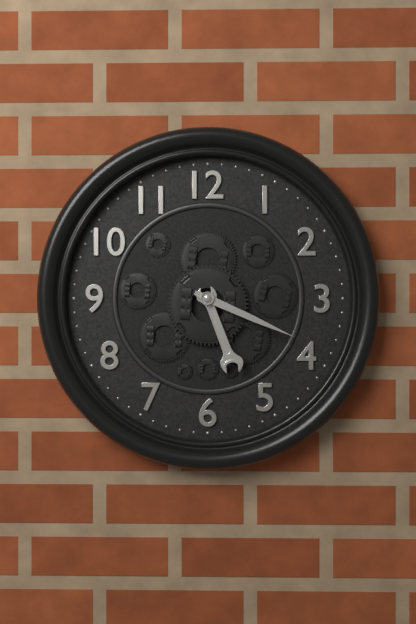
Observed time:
5:19
